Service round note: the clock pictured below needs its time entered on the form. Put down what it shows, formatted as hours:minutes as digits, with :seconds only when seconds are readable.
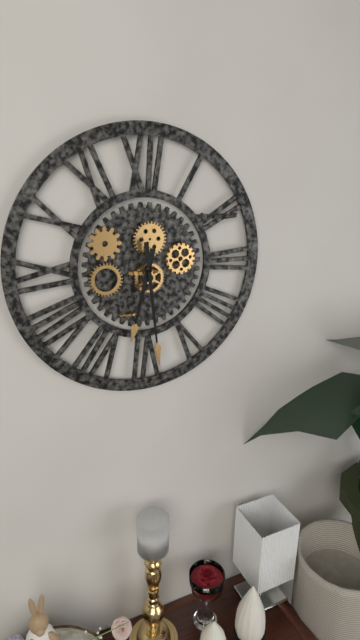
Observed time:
6:29
